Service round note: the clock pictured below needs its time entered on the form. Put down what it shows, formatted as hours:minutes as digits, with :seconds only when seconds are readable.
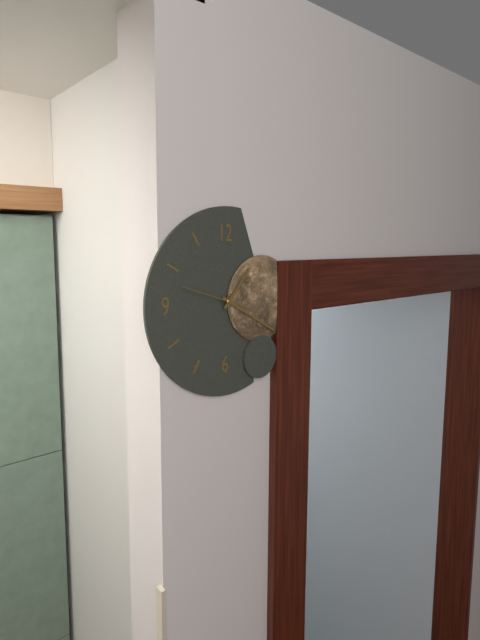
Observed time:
1:20:48
